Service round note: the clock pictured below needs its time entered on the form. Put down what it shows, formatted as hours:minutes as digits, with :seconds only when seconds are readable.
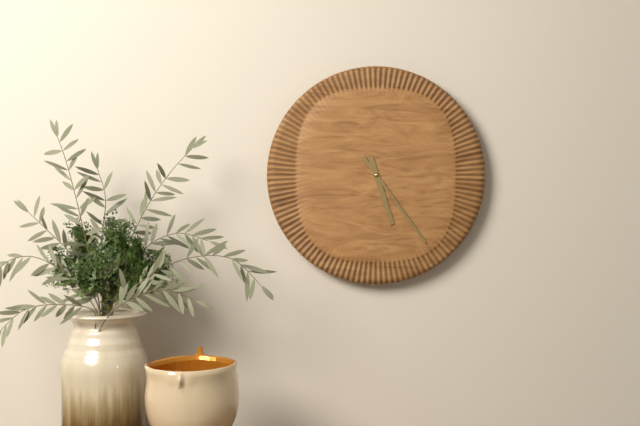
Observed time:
5:24
